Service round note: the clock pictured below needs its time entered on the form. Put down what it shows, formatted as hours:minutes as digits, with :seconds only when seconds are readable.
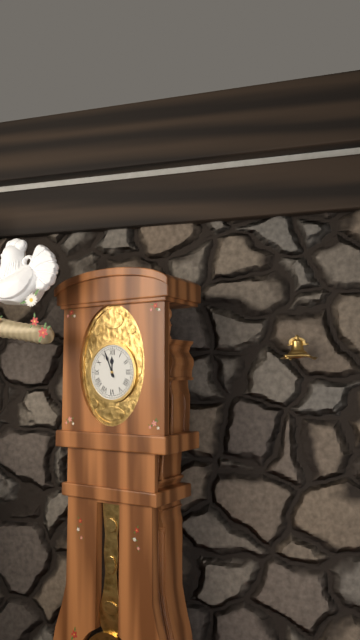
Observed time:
11:56
